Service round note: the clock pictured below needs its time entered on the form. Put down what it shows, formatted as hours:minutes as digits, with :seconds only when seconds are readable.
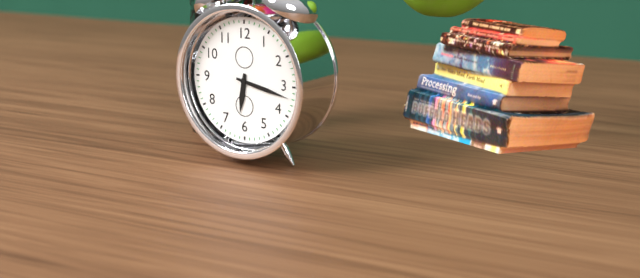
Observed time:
6:17
